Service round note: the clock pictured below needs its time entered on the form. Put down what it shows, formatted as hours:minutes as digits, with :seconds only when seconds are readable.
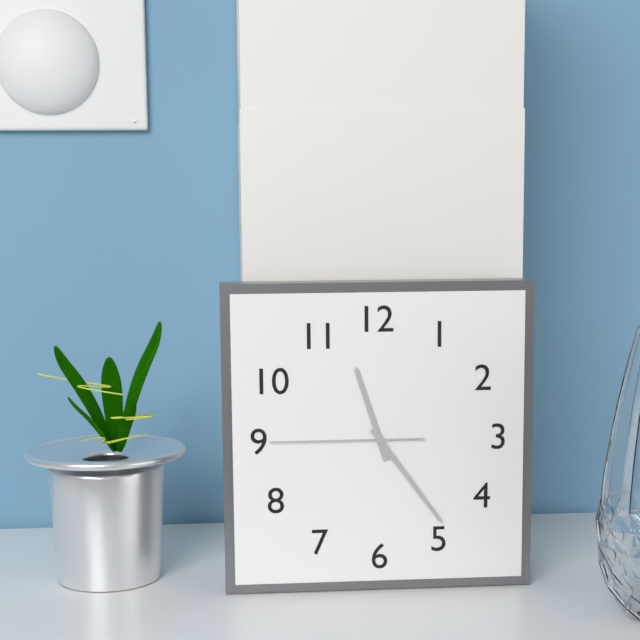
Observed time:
11:24:45
